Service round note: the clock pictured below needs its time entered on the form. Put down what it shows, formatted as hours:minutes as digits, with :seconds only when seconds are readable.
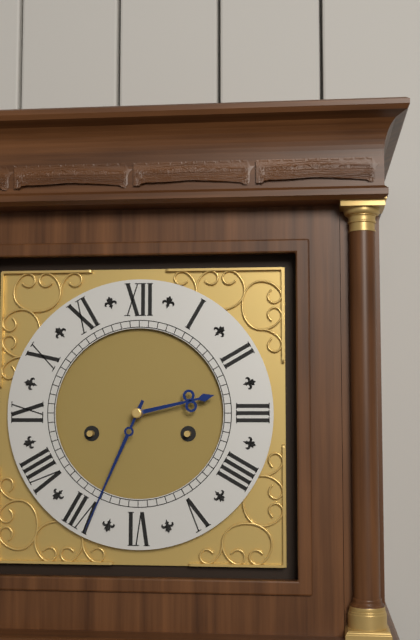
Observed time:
2:34
